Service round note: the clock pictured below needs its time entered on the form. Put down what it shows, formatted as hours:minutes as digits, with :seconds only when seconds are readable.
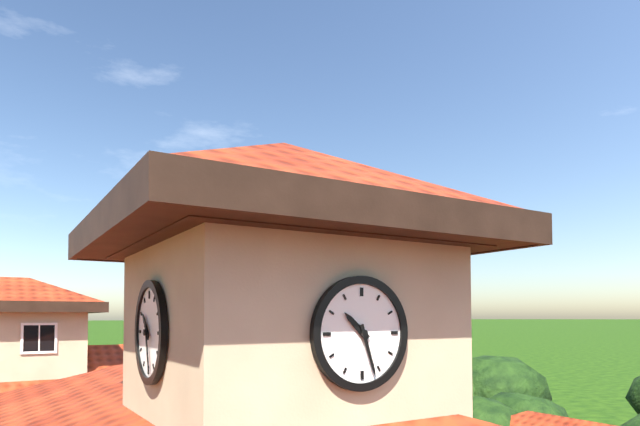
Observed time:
10:27
